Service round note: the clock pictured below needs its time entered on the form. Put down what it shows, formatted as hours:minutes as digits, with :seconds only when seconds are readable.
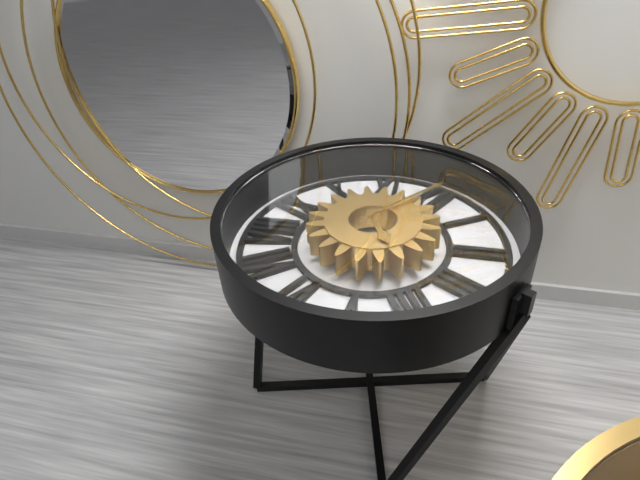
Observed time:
4:02
